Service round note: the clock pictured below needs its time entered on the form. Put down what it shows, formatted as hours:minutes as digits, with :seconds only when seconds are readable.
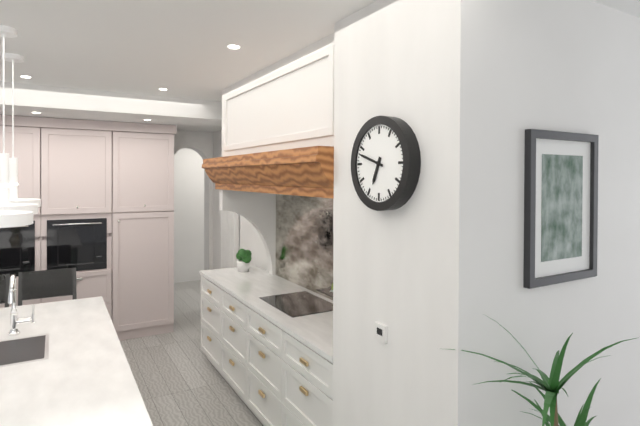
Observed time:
6:48
